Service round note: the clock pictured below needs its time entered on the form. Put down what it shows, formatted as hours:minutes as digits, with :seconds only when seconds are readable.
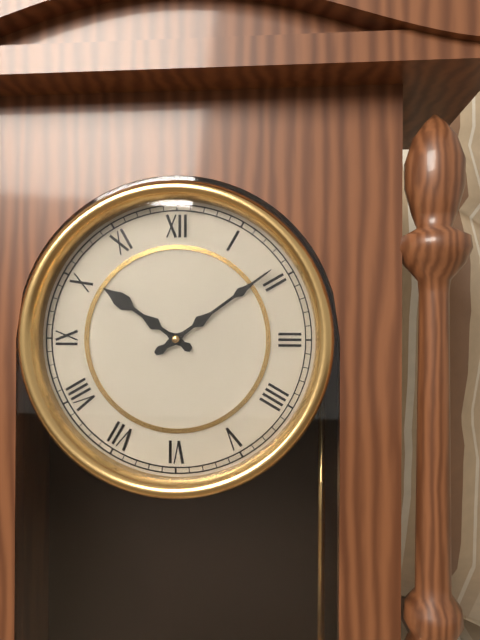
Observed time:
10:09
